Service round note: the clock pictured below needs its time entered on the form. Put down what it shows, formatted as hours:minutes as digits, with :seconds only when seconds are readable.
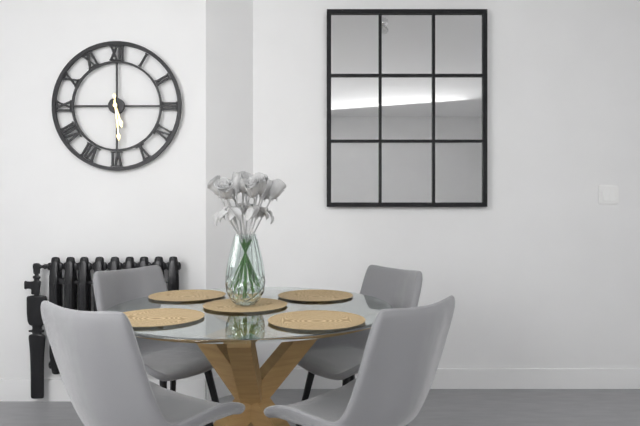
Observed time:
5:29
